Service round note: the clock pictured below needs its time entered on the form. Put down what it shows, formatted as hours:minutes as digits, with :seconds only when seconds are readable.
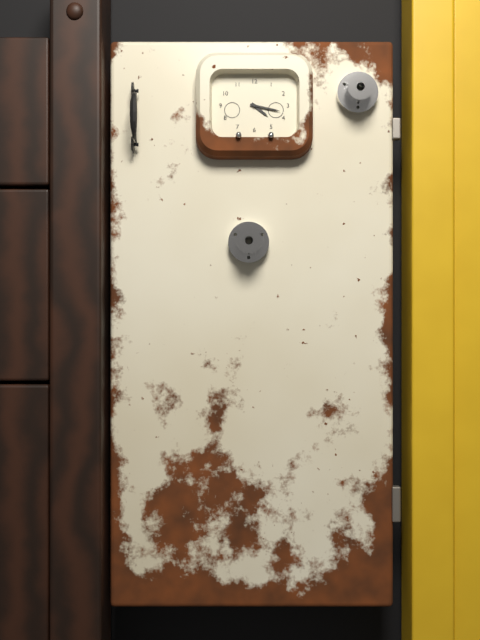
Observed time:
4:17
